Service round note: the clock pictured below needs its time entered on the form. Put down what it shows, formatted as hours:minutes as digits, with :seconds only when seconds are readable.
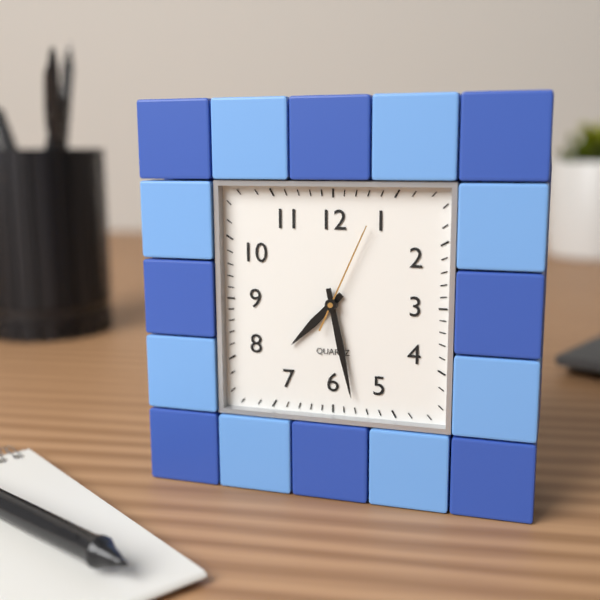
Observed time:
7:28:04
